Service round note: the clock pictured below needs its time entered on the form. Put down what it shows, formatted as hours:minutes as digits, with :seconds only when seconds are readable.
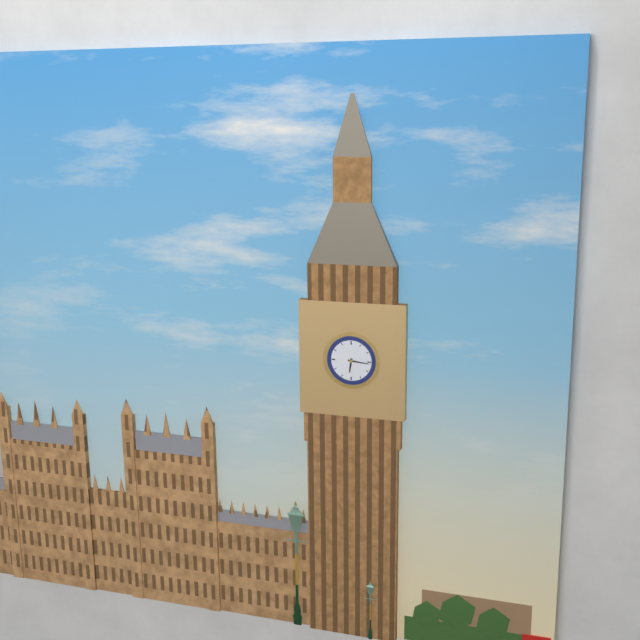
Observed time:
6:16
